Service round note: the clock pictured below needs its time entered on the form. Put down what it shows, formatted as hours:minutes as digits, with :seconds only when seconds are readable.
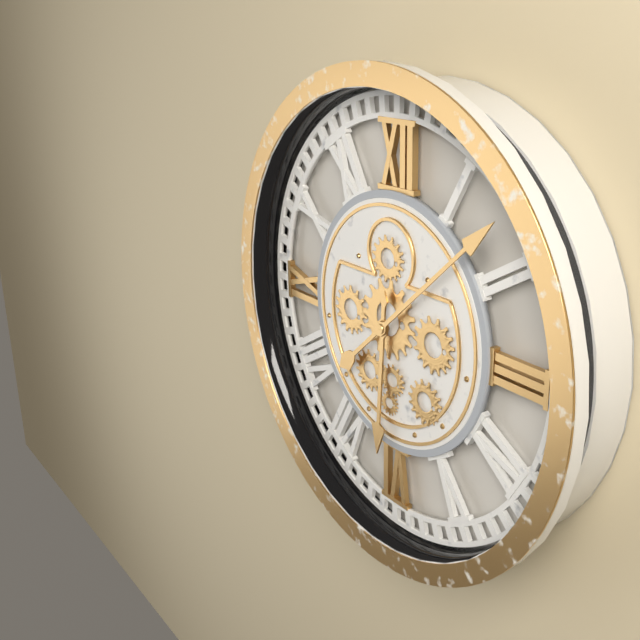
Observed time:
6:08
